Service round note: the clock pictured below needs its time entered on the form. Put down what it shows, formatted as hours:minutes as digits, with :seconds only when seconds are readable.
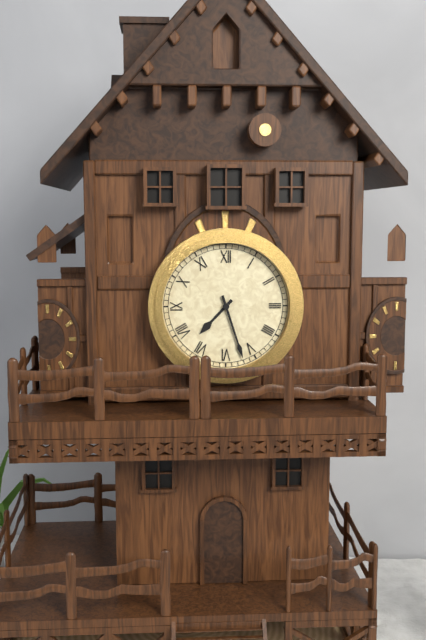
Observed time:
7:27
